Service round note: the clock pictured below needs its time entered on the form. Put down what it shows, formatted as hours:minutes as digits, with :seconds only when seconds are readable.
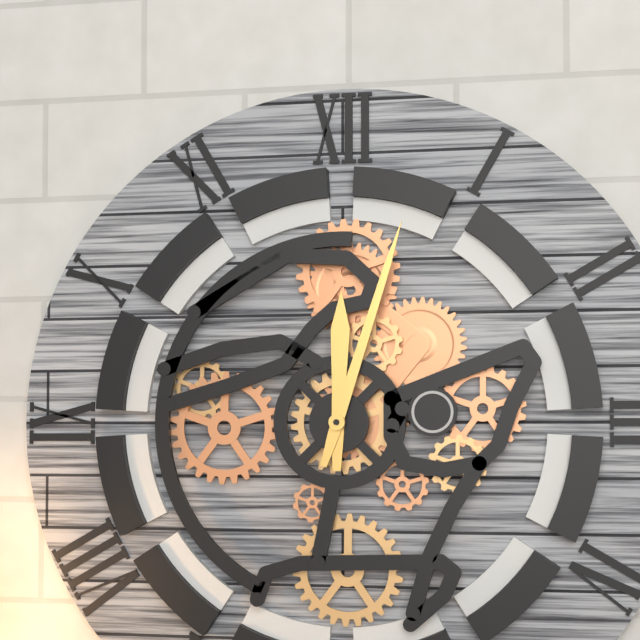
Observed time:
12:03
